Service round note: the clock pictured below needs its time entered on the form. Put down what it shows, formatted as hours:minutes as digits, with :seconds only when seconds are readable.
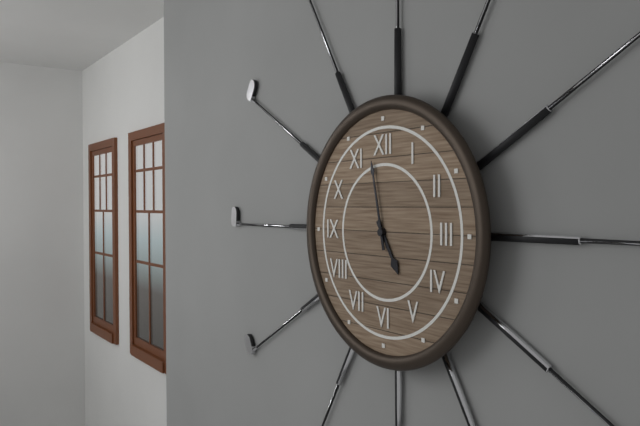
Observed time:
4:58
